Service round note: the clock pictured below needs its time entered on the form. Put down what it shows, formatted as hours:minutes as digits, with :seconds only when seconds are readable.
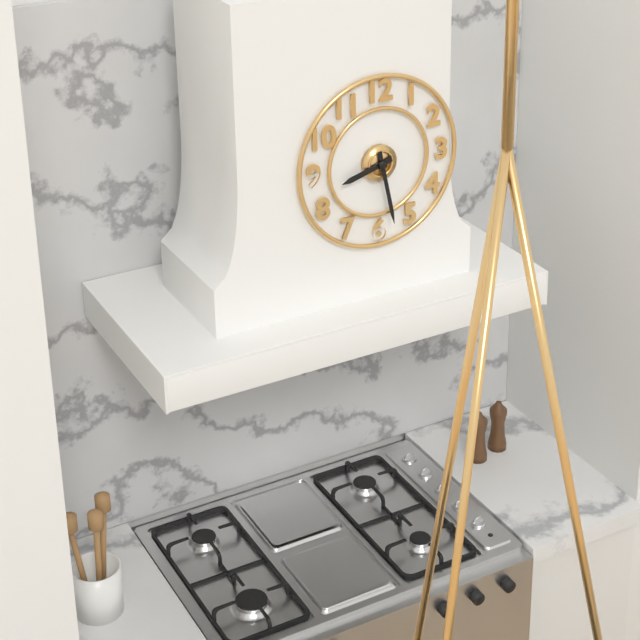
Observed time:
8:28
